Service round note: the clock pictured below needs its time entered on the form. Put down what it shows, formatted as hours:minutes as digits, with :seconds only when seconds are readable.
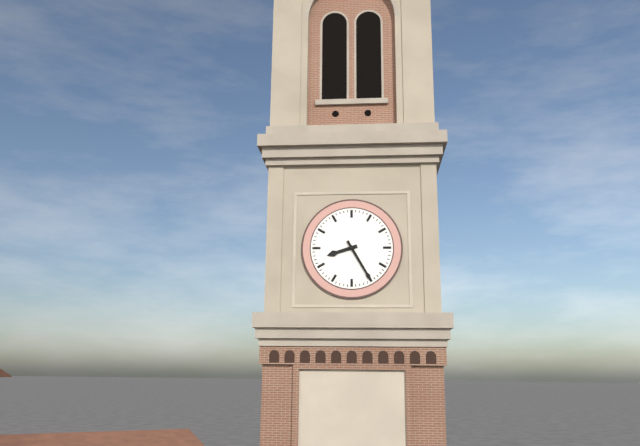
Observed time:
8:25
